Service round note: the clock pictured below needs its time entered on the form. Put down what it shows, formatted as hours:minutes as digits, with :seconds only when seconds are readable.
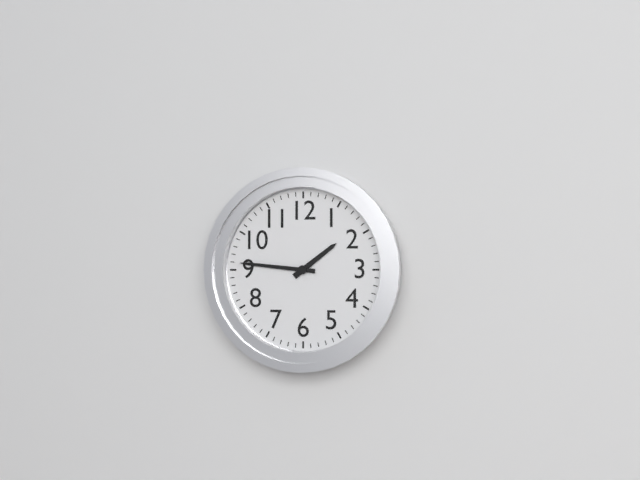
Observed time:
1:46
